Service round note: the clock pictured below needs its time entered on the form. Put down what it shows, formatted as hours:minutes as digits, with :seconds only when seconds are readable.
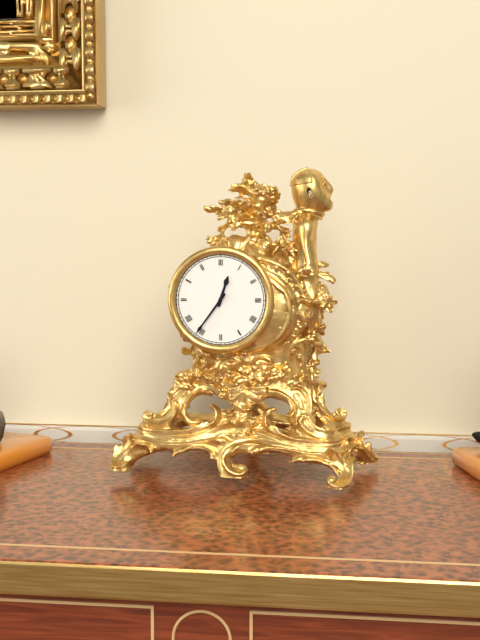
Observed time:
12:36
